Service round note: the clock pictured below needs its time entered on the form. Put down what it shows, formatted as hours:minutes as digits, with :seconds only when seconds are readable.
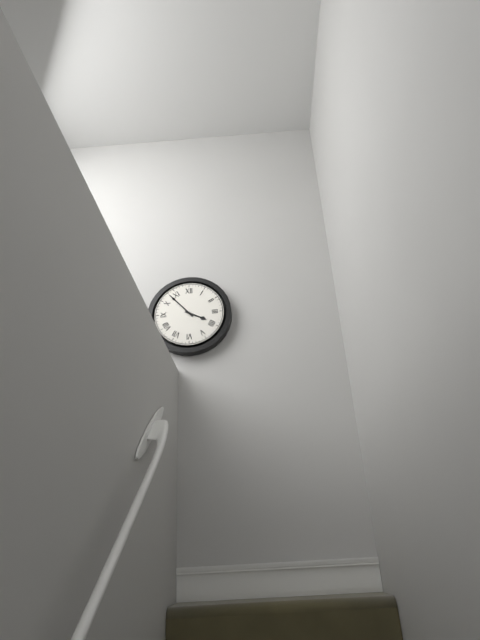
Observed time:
3:53
